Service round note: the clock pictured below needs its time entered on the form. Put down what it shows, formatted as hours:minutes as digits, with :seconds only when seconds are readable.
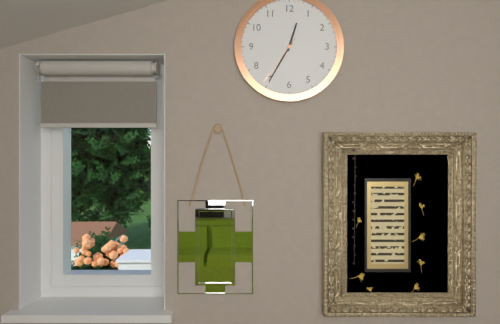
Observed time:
12:35:36
